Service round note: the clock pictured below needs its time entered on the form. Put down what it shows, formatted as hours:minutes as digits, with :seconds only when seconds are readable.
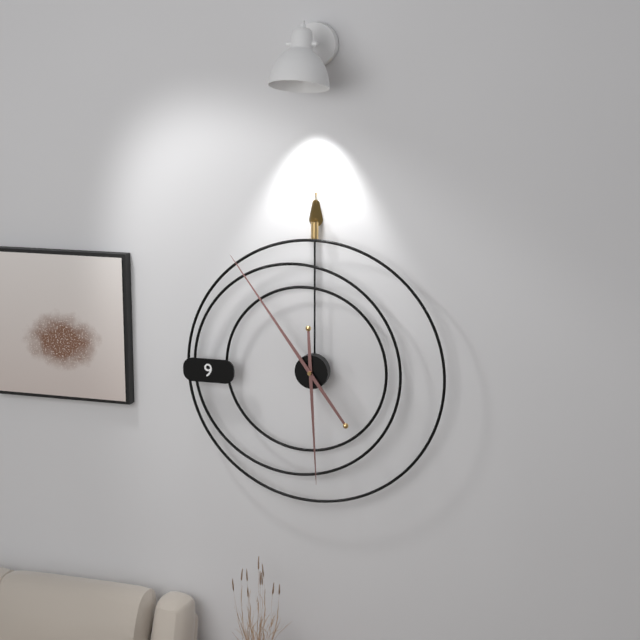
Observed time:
5:54
